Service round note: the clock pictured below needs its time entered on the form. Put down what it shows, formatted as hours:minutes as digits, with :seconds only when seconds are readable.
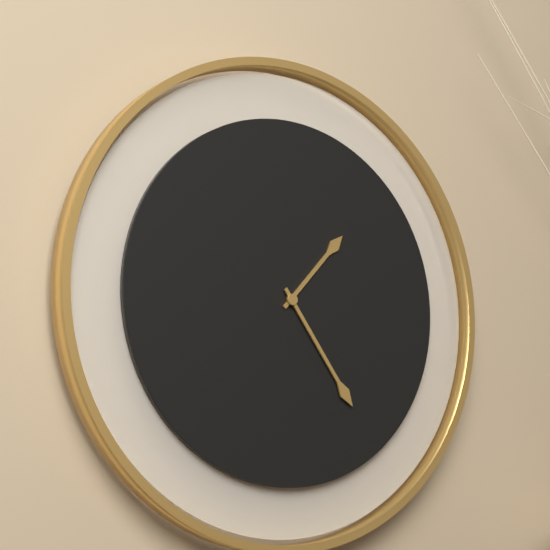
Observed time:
1:24
